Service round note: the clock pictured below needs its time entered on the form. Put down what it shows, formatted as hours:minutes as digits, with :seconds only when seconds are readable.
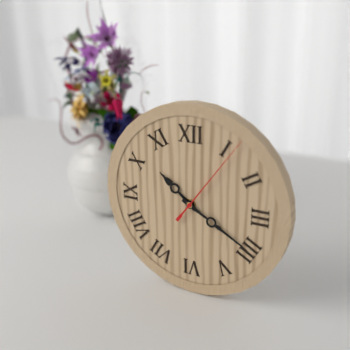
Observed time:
10:20:06
